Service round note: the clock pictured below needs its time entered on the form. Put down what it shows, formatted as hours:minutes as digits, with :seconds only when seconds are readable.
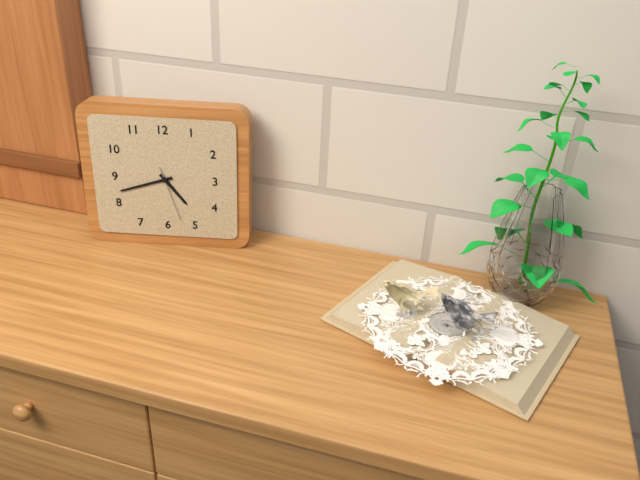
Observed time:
4:42:27
